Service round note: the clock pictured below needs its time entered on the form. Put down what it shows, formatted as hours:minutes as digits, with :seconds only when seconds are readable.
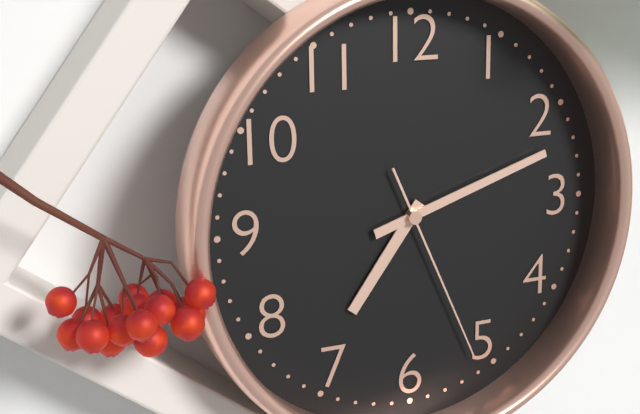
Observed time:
7:12:26
